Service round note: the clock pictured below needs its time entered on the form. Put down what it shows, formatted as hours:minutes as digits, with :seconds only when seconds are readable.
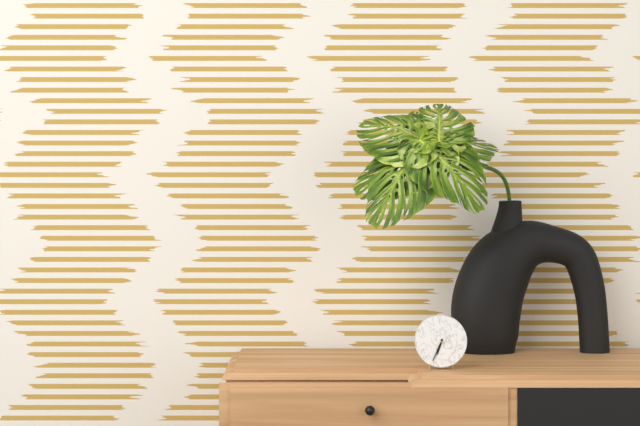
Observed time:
6:34
